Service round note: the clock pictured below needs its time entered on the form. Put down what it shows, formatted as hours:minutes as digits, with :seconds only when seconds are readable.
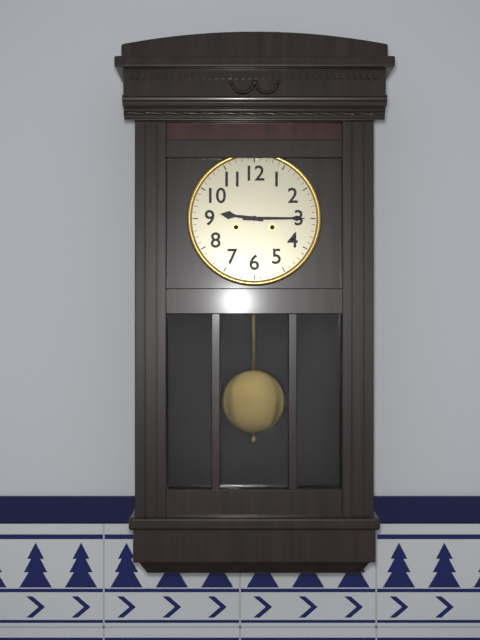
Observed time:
9:15
